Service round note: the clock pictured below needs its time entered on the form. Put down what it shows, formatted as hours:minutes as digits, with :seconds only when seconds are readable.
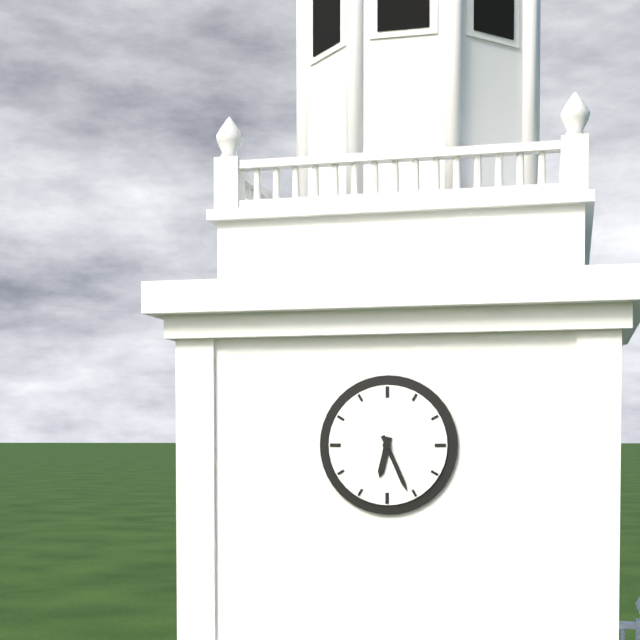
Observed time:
6:26
